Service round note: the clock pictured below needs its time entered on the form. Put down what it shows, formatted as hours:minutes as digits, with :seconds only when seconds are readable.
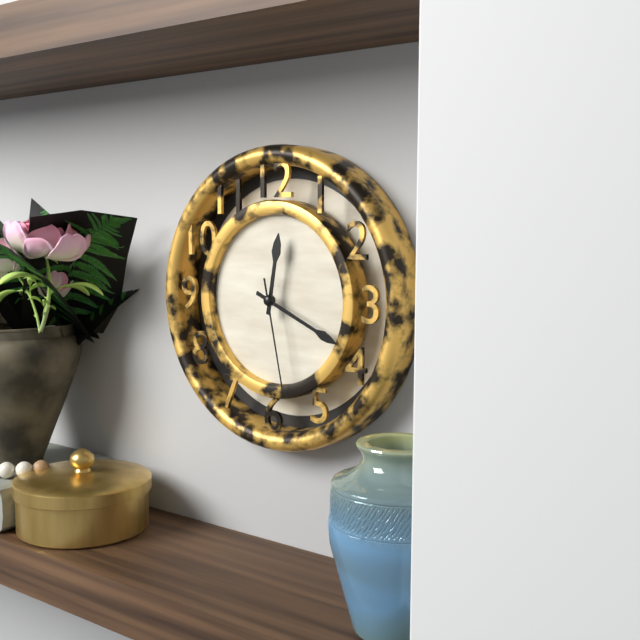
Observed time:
12:19:28
